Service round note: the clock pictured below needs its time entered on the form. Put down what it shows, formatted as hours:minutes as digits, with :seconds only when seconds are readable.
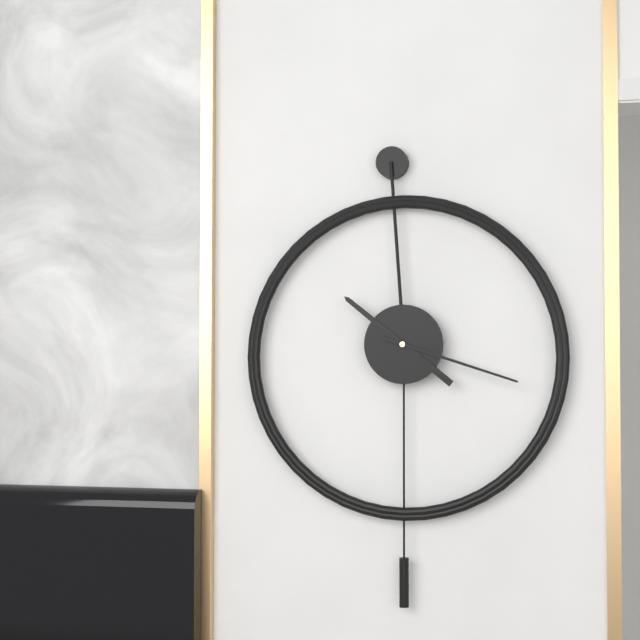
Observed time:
10:18
